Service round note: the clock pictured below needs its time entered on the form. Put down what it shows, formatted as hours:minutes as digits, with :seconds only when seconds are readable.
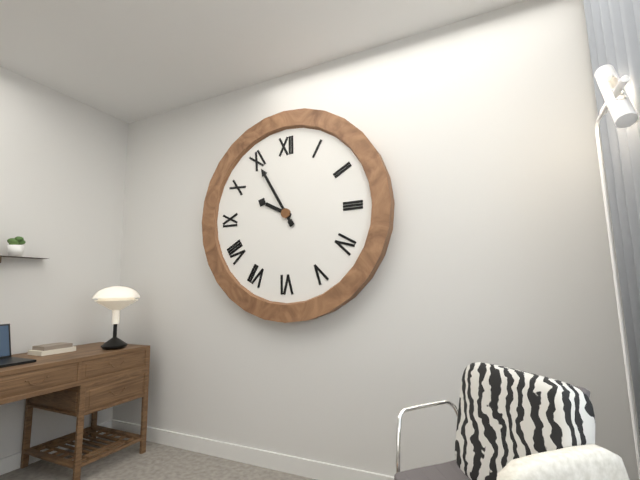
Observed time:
9:55
